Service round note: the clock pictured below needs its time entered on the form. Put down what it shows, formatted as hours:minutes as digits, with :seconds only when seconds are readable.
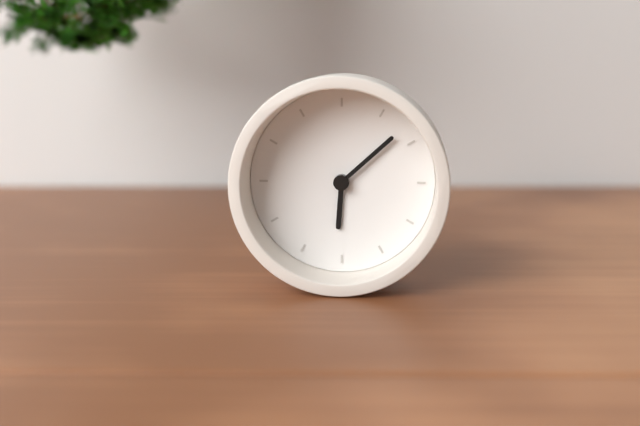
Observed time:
6:08
